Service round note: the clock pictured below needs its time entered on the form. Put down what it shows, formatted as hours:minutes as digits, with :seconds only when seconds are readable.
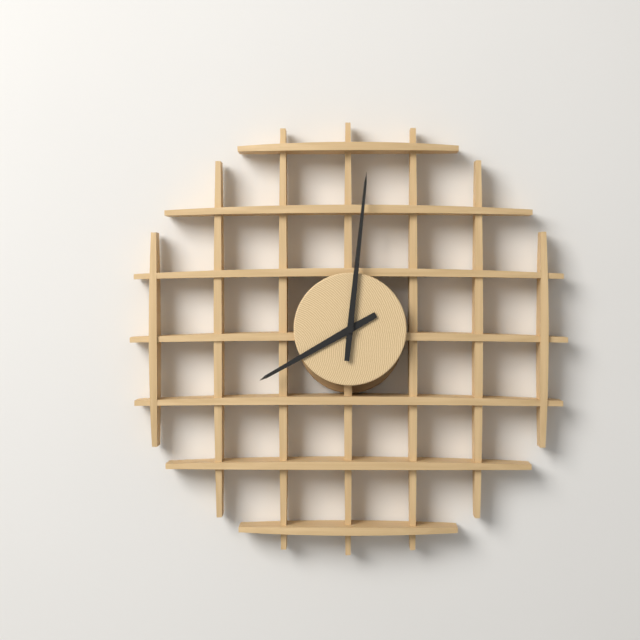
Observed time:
8:01
